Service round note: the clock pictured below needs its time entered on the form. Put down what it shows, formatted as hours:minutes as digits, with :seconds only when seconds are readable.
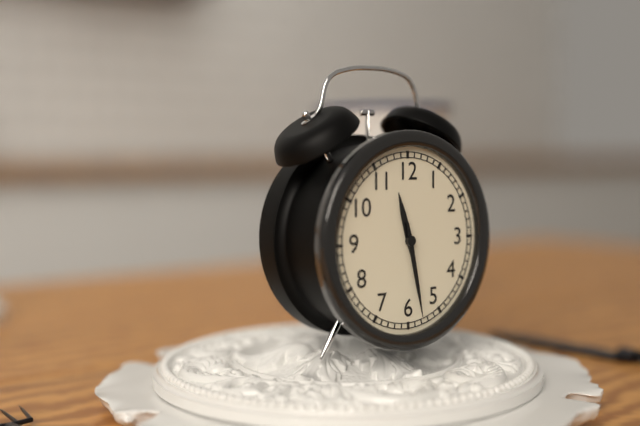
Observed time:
11:28
